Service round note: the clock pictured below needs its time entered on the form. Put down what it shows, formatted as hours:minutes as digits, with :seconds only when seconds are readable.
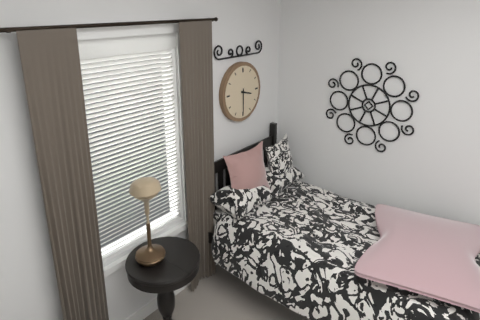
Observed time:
3:30
